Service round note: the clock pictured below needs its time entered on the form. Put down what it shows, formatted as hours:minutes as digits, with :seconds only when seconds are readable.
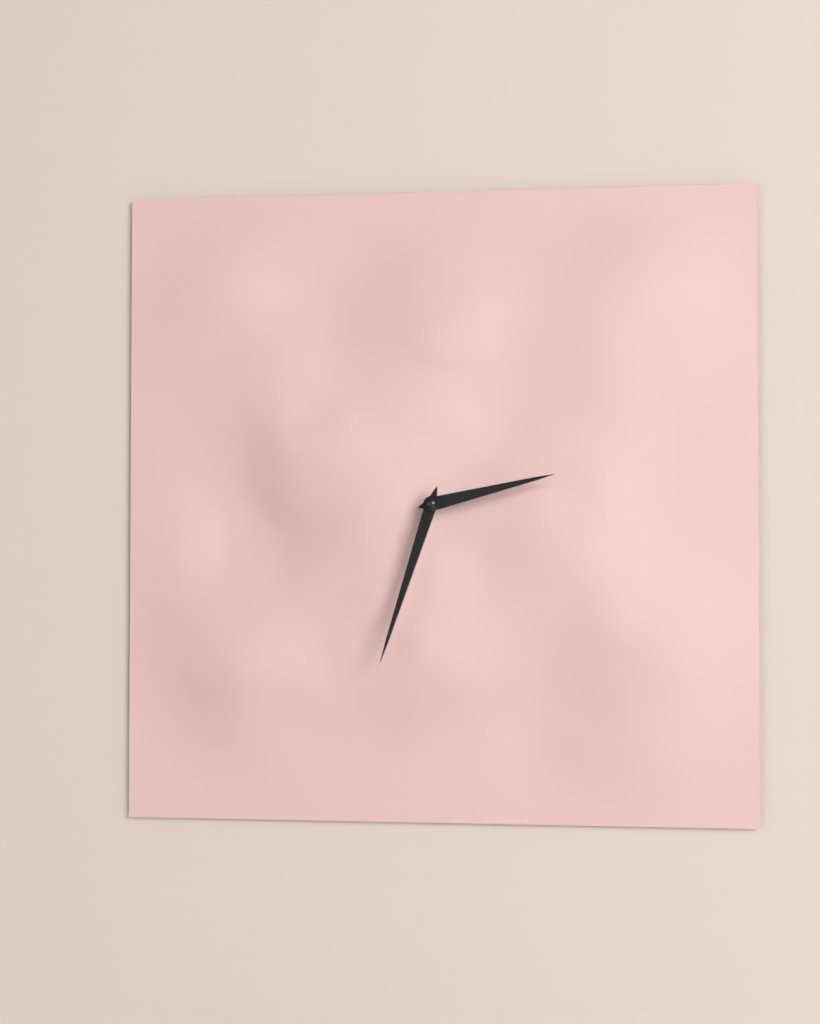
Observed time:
2:33
